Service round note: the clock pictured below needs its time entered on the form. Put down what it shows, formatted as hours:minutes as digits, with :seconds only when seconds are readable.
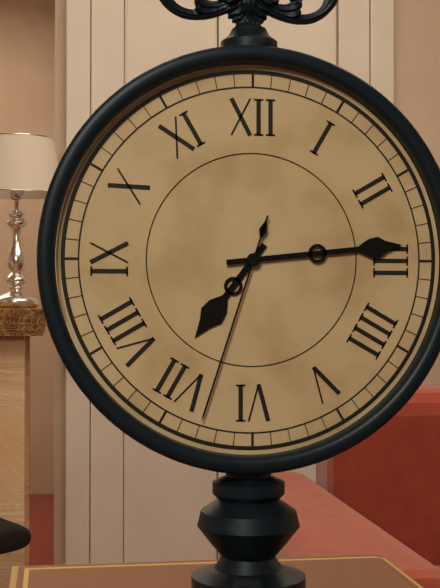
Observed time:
7:14:33
